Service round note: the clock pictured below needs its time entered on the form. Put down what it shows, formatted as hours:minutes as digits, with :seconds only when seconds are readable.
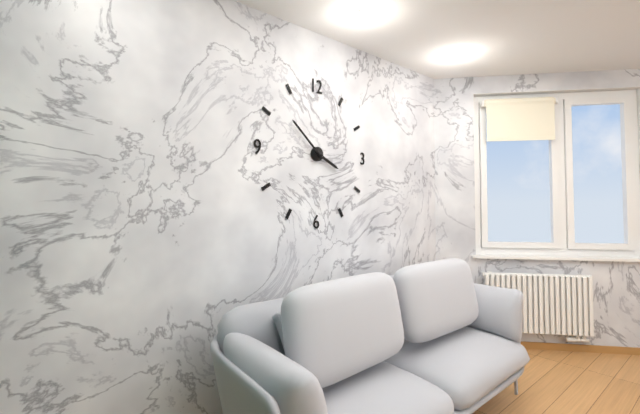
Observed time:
3:52
